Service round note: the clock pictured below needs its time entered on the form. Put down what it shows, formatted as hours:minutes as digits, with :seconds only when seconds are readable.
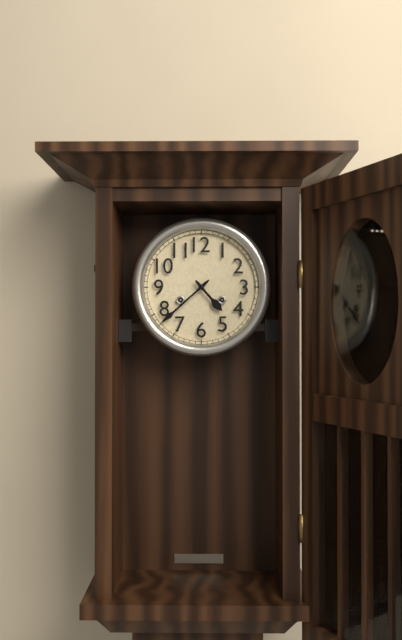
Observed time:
4:38
